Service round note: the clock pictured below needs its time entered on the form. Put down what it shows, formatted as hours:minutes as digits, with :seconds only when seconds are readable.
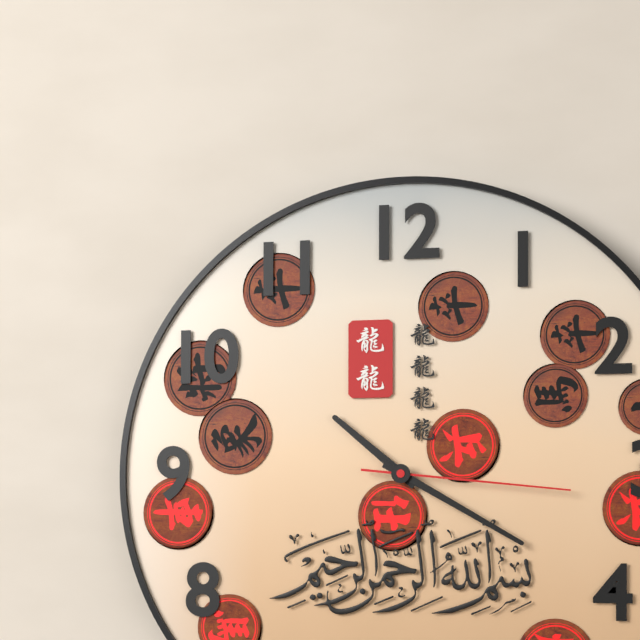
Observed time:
10:20:16
